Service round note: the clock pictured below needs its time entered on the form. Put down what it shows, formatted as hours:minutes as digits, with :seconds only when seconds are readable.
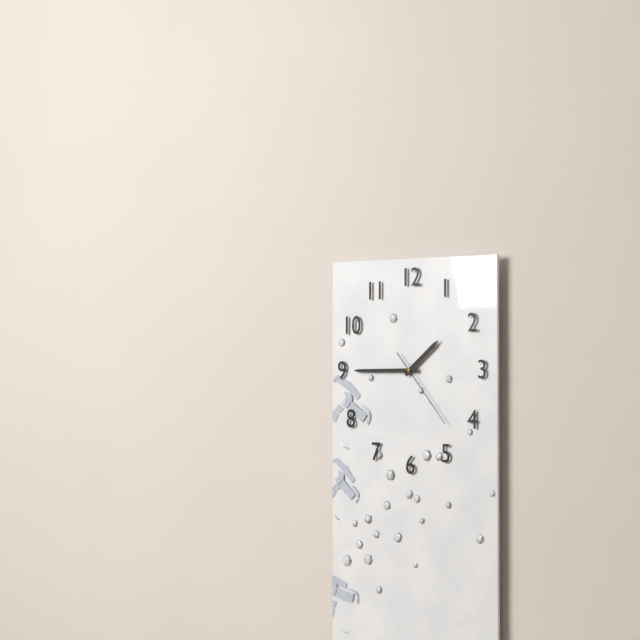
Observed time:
1:45:23
